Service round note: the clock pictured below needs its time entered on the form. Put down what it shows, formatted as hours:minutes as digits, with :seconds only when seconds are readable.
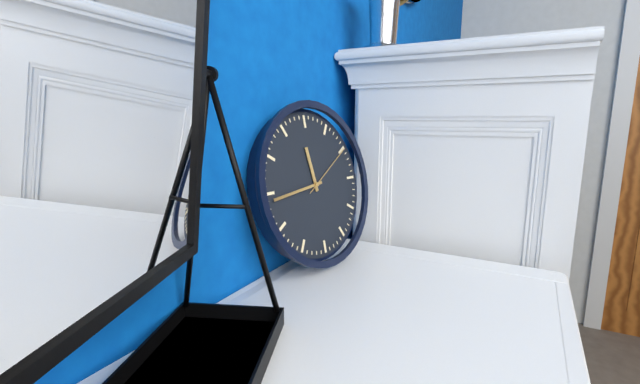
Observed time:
11:44:10
